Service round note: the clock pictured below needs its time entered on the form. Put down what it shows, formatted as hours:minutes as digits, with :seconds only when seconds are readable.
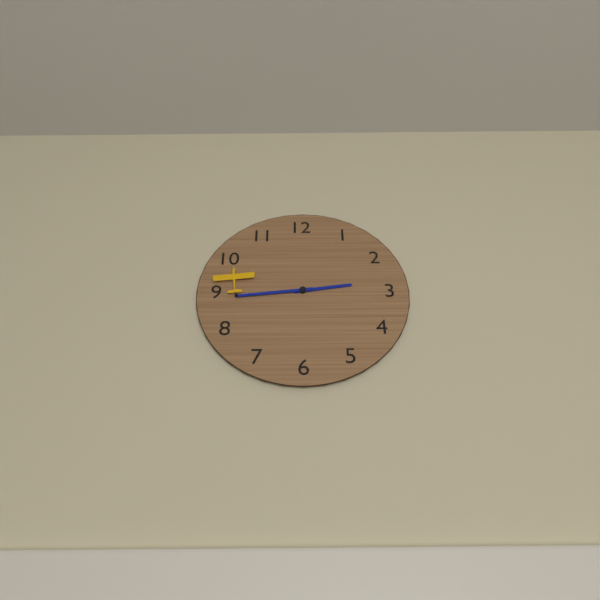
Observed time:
2:44
